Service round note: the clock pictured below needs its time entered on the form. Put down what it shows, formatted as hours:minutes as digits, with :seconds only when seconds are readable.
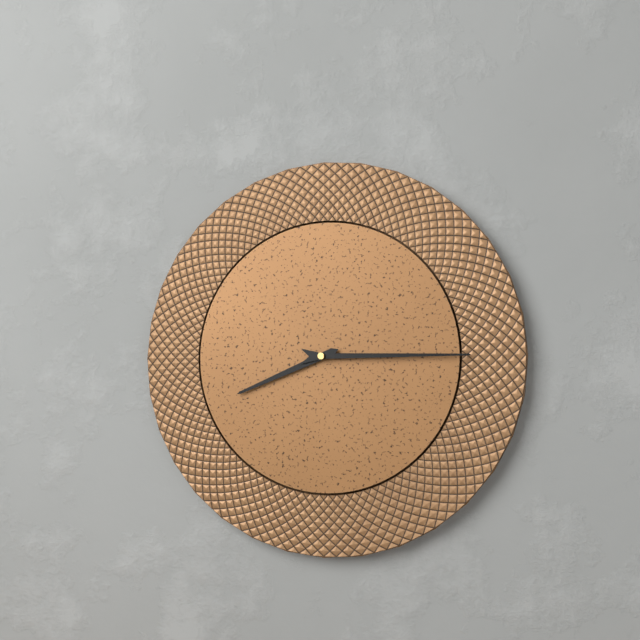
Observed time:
8:15
